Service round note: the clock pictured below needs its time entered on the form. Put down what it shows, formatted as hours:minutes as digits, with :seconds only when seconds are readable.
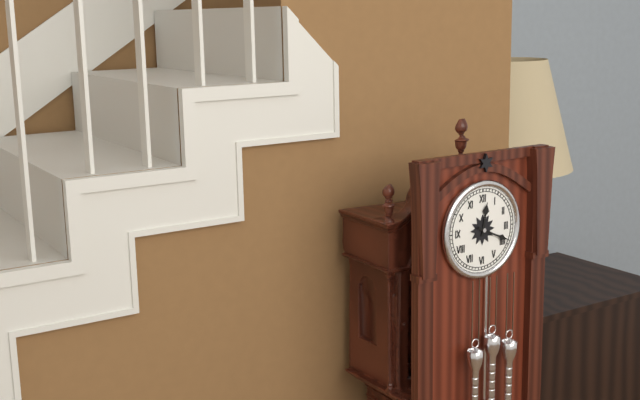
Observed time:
12:19
